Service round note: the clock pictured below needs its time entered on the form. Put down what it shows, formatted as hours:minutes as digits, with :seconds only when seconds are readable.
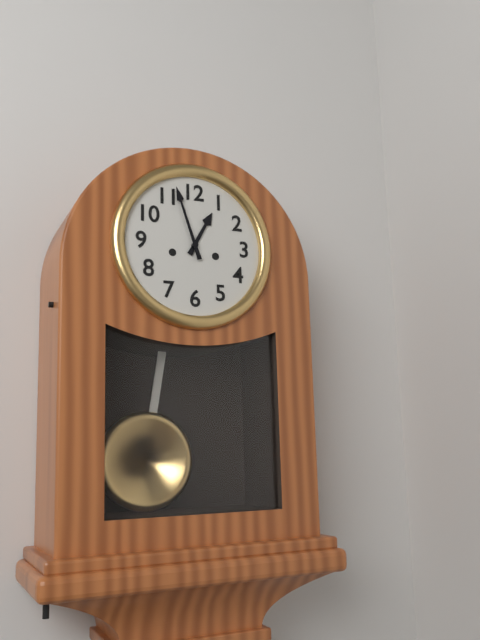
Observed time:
12:57
